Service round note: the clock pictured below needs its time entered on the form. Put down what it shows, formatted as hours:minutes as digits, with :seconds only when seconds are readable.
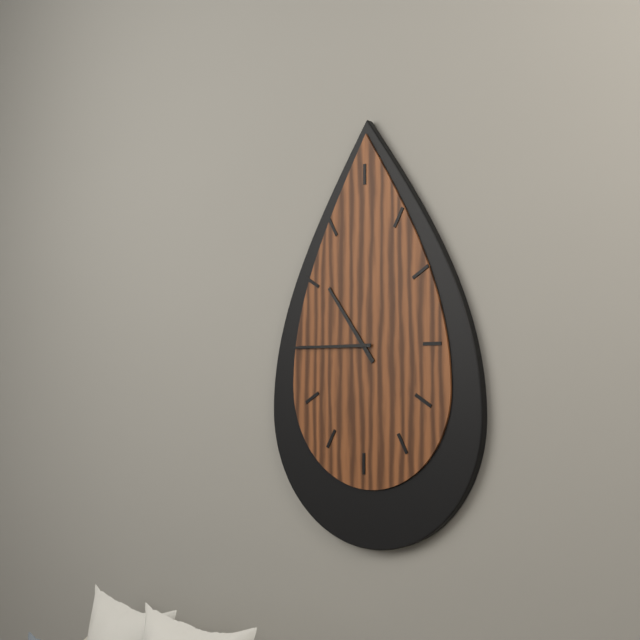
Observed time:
10:45
